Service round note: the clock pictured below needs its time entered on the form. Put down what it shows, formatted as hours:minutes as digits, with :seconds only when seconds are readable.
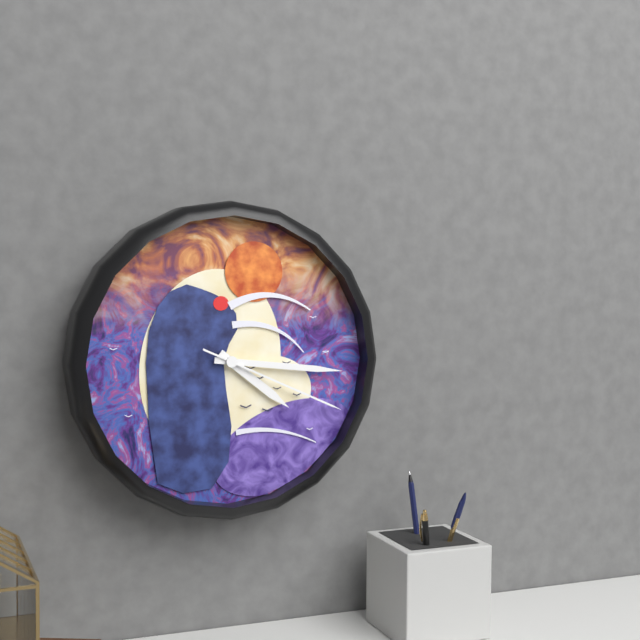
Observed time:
4:16:19
